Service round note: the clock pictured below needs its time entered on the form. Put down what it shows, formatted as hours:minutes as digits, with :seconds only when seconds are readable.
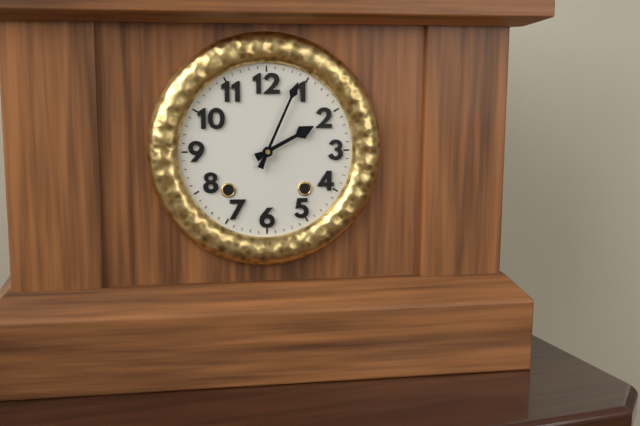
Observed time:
2:04
